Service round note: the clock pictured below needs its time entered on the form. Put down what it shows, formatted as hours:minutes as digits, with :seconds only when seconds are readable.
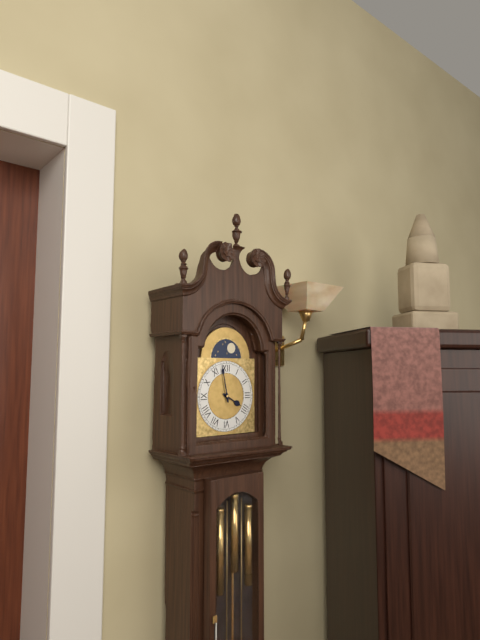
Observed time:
3:58
